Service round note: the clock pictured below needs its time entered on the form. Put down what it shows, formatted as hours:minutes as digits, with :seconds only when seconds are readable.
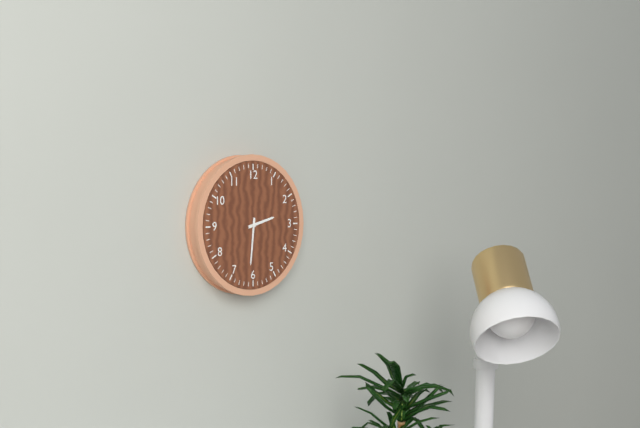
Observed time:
2:31
